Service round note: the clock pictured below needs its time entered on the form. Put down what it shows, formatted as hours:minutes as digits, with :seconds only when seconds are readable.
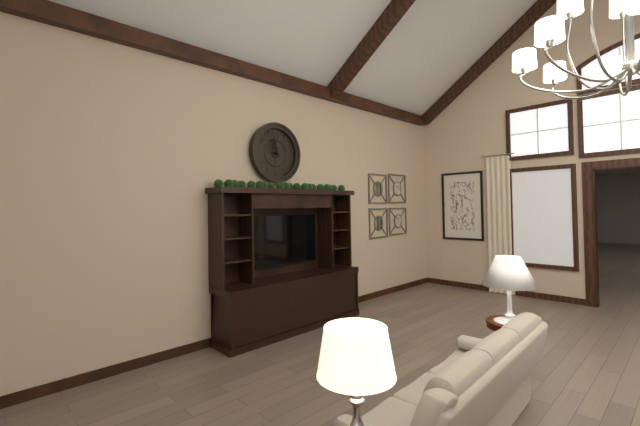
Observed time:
11:57
